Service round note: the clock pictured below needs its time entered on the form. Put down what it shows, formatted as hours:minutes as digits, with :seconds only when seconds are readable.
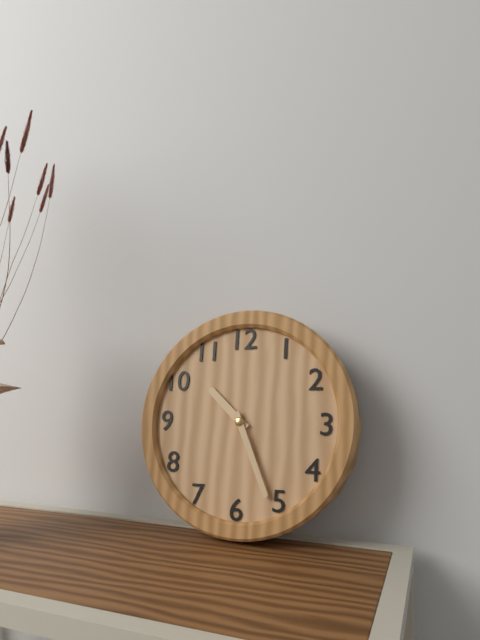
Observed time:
10:26
